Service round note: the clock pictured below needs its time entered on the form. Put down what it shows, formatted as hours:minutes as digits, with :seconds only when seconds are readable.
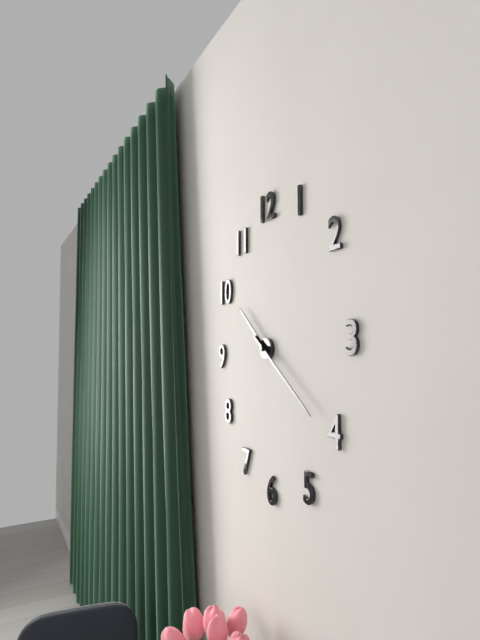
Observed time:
10:21
